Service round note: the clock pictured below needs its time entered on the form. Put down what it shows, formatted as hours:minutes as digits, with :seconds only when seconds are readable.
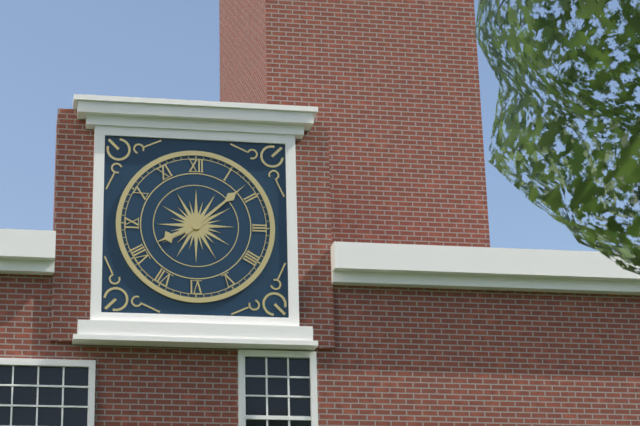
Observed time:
8:08
